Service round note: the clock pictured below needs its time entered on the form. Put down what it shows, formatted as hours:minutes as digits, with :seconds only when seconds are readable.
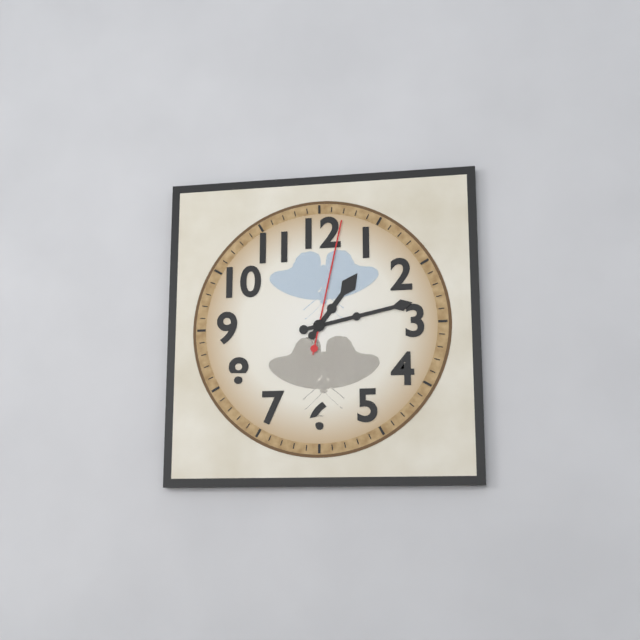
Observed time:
1:13:02
